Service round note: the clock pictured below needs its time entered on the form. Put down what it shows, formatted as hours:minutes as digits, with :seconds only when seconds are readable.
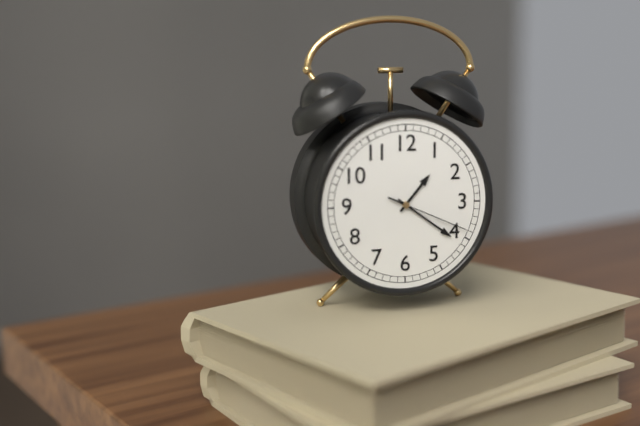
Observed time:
1:21:19
